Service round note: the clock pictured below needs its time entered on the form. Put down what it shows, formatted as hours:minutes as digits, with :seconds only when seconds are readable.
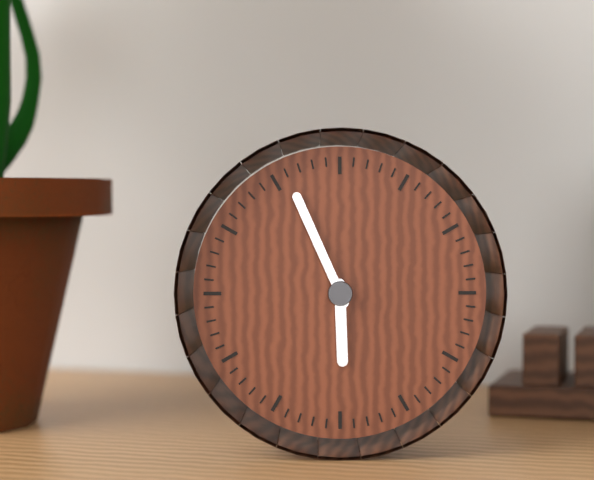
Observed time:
5:56
